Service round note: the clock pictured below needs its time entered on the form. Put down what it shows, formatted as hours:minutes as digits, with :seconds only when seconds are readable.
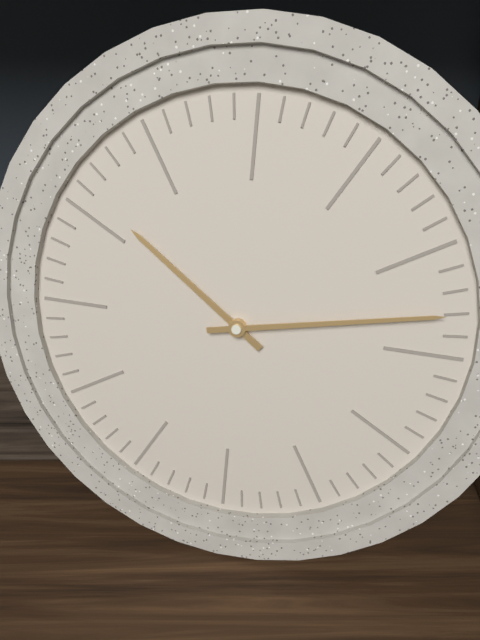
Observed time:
10:13
